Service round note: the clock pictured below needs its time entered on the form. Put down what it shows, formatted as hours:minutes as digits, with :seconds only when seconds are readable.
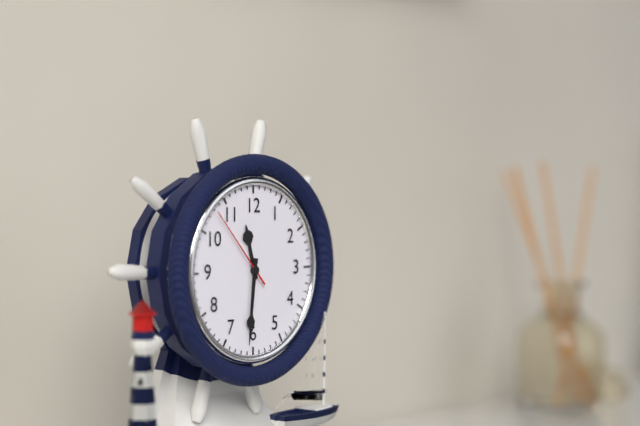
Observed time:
11:31:53
